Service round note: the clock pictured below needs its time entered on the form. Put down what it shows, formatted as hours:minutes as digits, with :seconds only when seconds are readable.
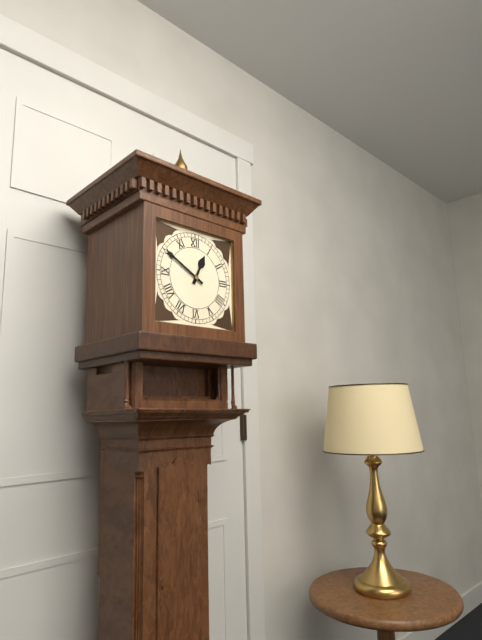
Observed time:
12:50
